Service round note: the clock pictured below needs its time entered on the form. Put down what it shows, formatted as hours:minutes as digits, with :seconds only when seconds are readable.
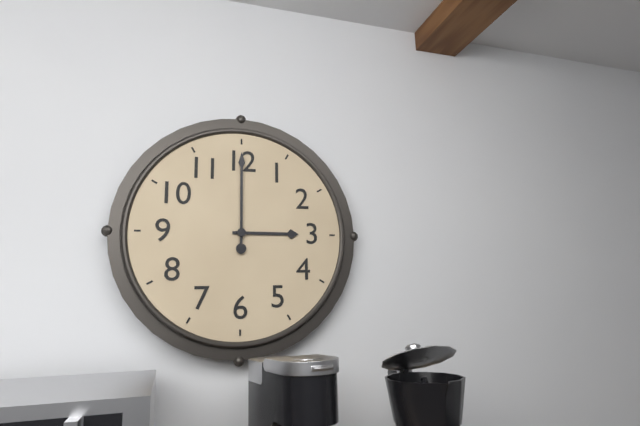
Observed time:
3:00
